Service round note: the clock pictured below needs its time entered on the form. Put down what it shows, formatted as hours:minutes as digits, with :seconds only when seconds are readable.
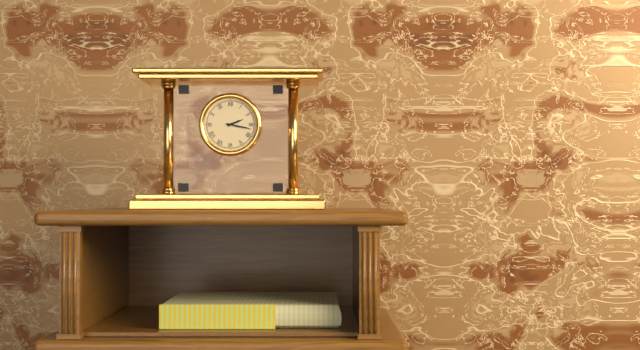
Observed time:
2:17
